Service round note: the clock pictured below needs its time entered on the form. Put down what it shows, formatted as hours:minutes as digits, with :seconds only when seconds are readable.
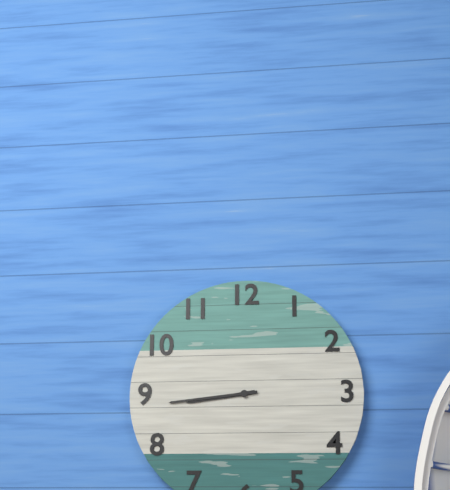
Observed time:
8:44
